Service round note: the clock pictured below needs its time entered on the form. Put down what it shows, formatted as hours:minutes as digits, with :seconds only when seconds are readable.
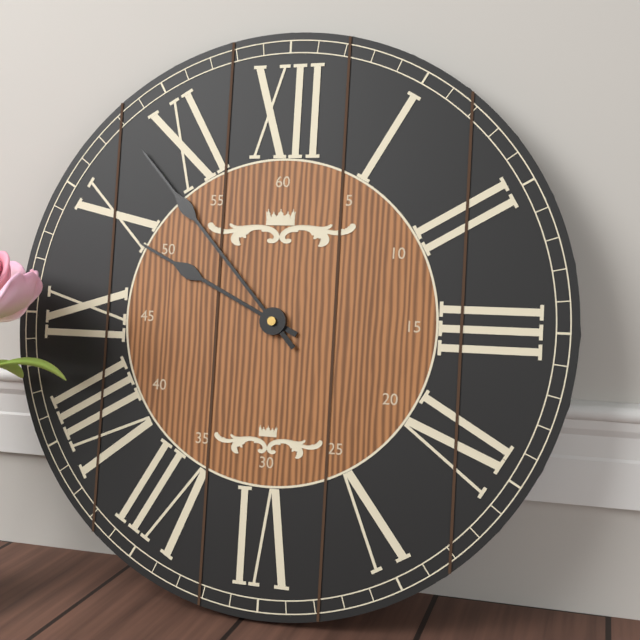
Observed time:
9:53
